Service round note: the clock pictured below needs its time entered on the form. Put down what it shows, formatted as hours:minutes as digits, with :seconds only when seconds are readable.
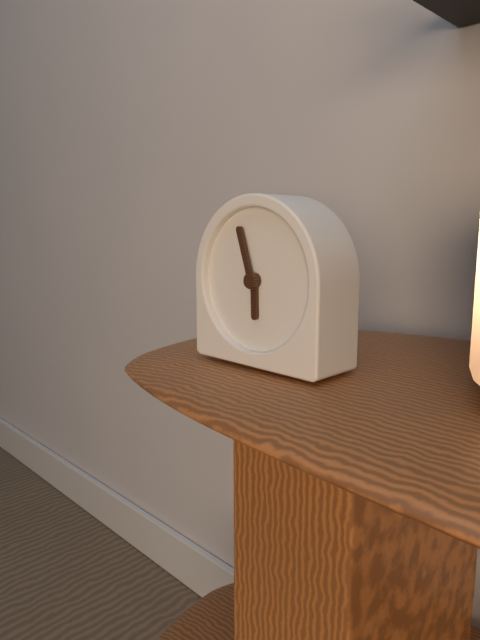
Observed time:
5:57
